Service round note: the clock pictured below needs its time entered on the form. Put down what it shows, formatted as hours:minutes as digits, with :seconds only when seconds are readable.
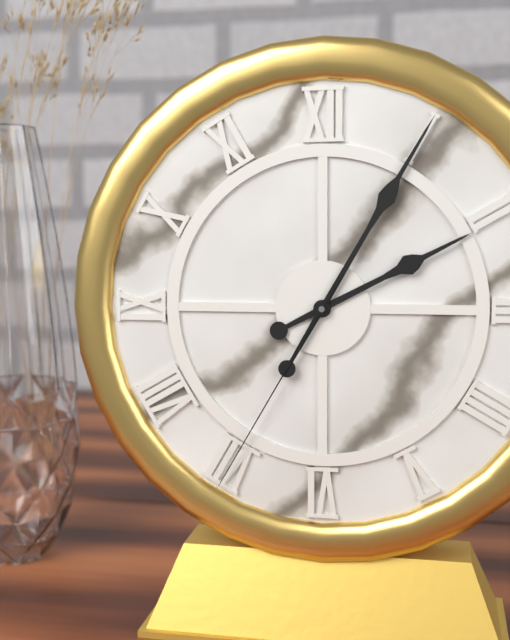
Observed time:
2:05:35
